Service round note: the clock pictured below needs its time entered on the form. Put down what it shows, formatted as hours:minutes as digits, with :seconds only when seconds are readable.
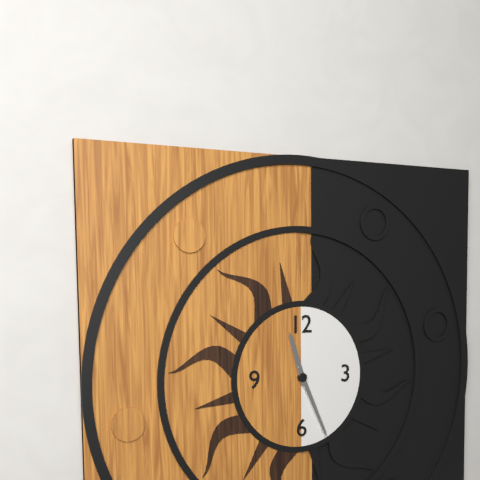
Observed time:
11:26
